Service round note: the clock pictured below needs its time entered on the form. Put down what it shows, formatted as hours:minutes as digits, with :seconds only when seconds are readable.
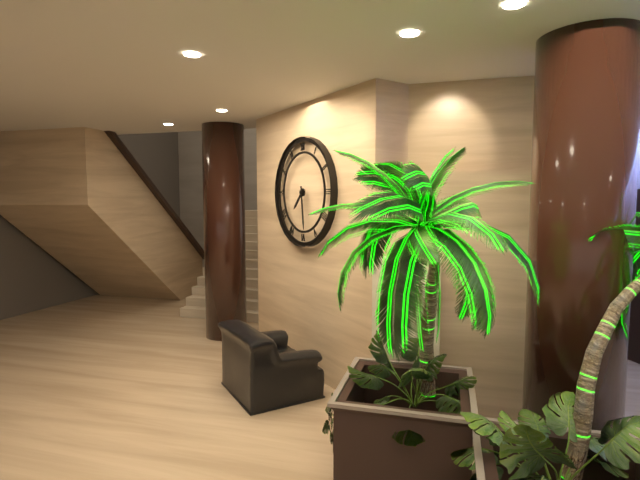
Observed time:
7:29
